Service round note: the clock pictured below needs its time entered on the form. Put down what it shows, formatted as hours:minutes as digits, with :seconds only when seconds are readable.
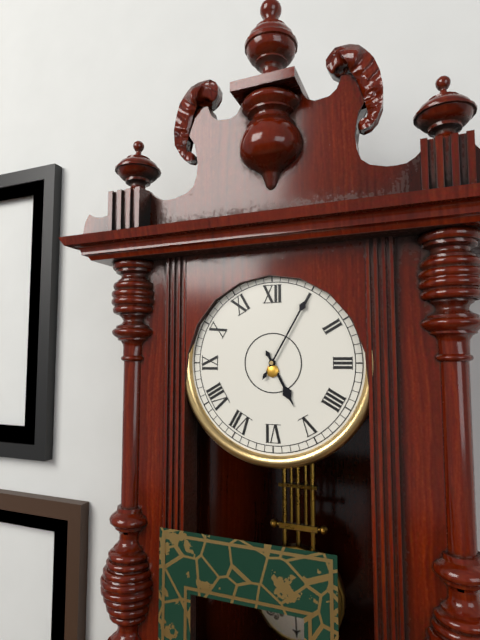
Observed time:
5:05
